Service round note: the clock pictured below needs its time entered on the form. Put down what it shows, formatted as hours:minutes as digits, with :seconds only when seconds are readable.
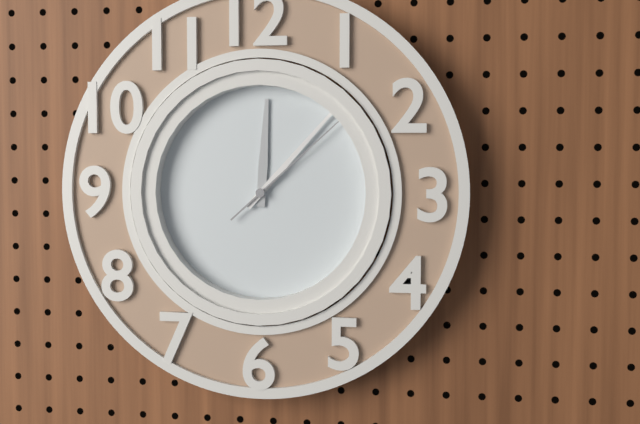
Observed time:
12:07:08
